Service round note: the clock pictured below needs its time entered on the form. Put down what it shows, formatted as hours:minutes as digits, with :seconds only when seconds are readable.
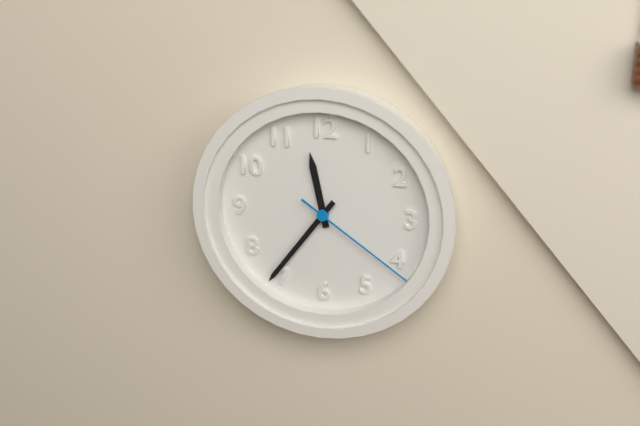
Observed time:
11:36:21
